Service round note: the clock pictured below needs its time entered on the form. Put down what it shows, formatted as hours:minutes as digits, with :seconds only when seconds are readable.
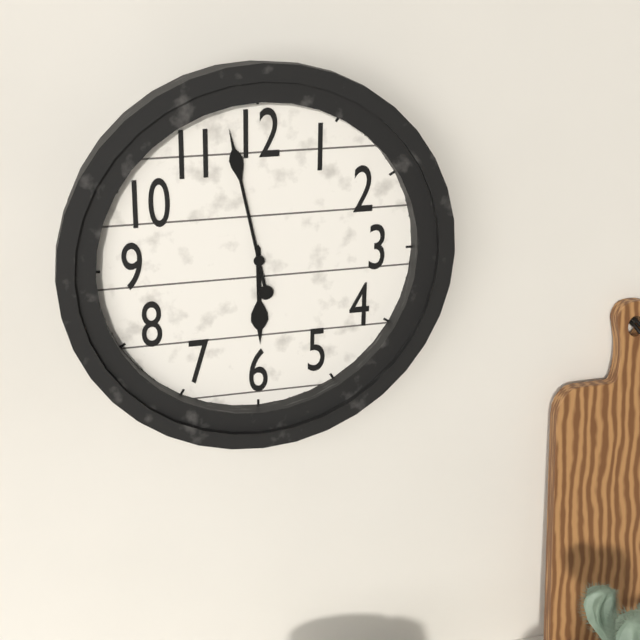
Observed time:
5:58
